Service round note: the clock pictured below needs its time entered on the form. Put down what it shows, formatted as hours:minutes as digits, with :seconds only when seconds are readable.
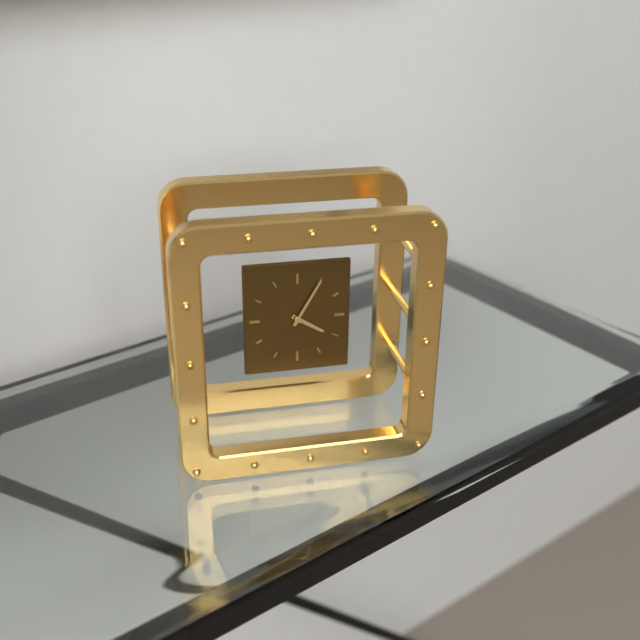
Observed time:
4:05
